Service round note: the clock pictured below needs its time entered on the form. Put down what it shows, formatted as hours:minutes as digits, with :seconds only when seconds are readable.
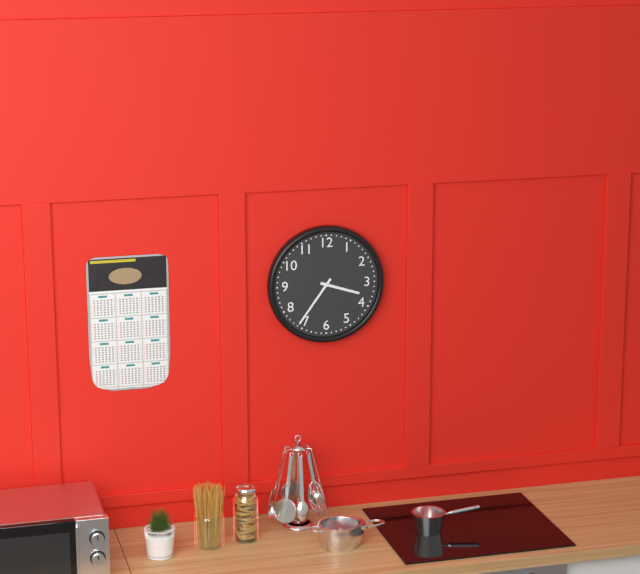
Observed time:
3:36
